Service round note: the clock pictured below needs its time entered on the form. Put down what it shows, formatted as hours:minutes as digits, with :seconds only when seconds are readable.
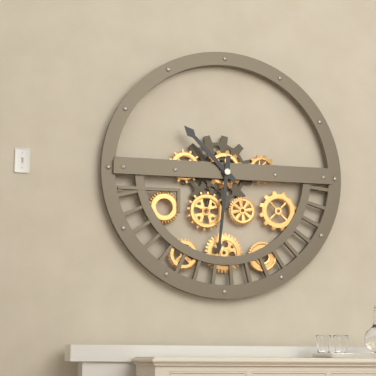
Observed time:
10:31
